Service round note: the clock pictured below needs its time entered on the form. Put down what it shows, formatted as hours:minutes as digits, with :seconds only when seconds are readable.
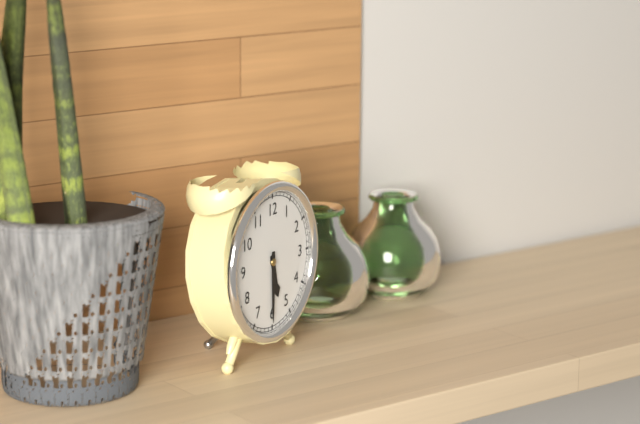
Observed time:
5:30
